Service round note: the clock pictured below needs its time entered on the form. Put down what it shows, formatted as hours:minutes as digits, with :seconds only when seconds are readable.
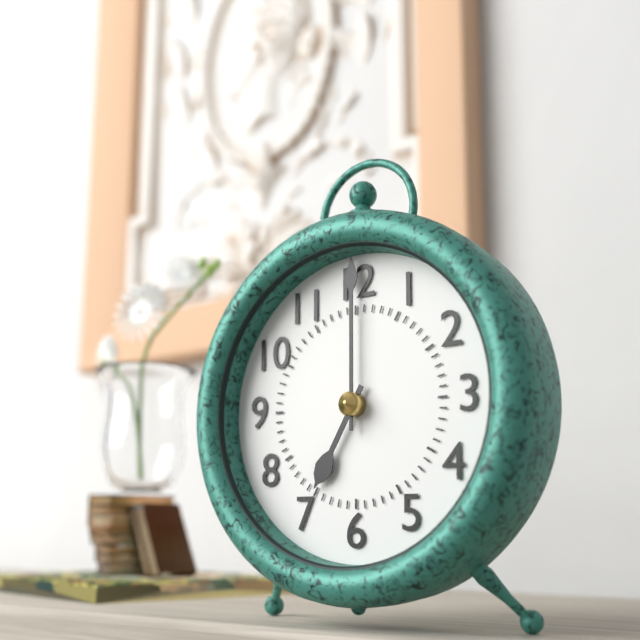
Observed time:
7:00
